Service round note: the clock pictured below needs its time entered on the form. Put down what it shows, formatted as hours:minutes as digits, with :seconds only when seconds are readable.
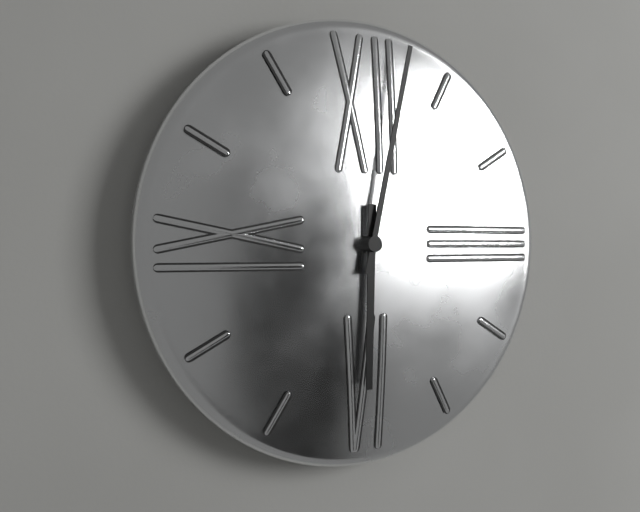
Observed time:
6:02
